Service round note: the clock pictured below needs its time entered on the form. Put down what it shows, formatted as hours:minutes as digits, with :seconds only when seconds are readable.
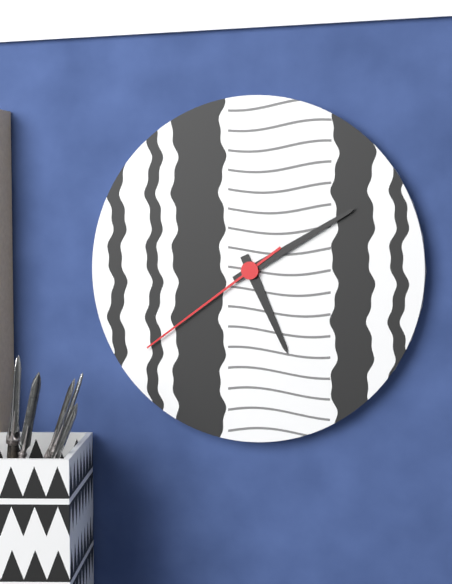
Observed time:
5:10:39
